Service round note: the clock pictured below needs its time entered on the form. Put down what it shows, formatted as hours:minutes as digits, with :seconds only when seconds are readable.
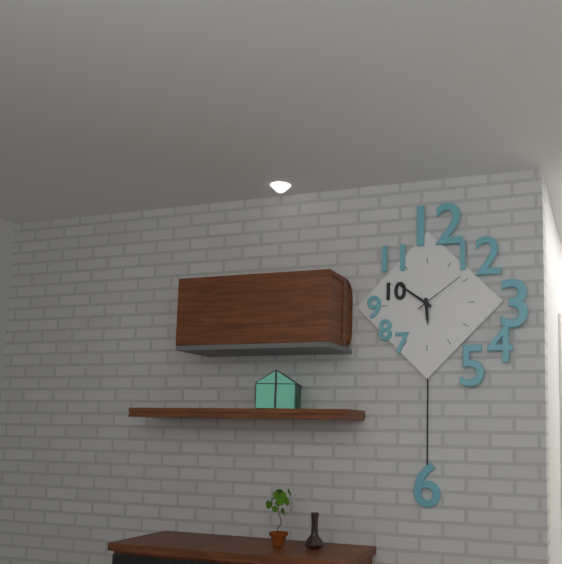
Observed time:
5:51:09
